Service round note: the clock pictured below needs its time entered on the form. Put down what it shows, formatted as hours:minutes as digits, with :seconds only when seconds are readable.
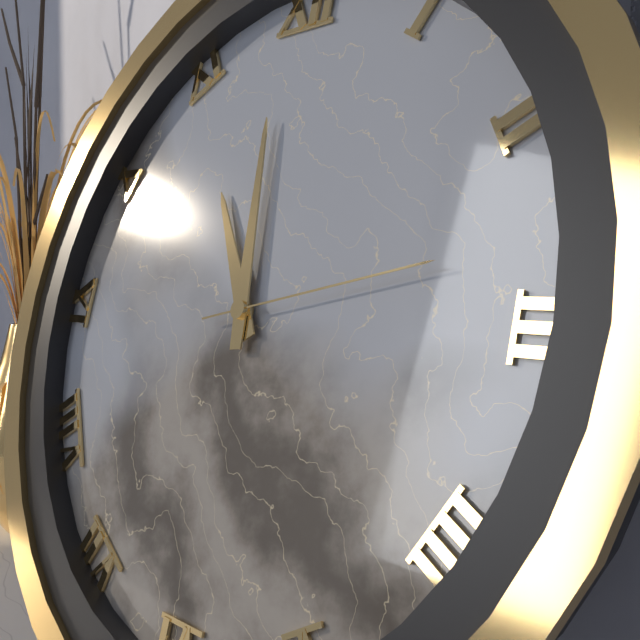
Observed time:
10:59:13
